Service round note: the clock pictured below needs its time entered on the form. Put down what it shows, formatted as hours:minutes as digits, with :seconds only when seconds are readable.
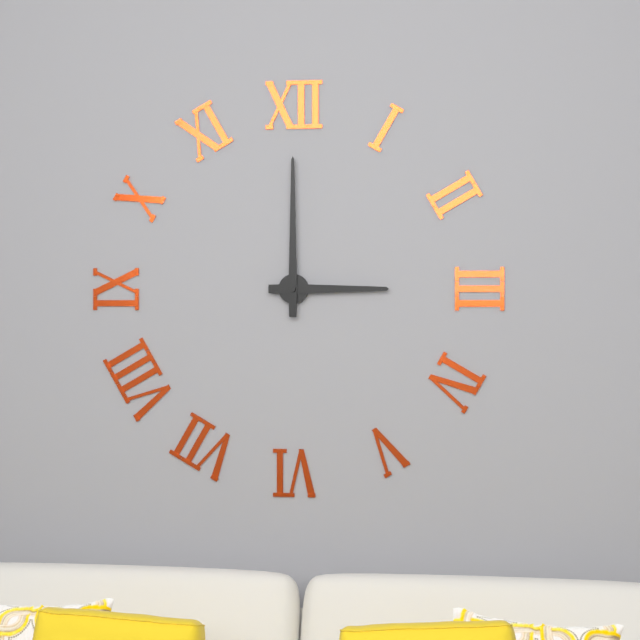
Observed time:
3:00
